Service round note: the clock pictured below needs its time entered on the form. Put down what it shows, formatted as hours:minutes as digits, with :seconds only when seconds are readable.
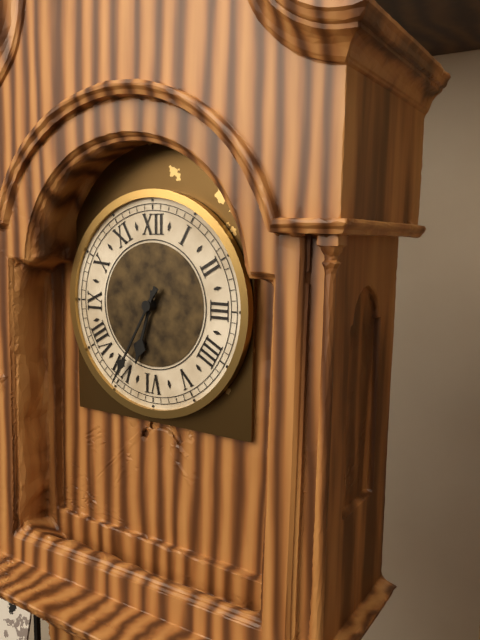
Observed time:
6:35
